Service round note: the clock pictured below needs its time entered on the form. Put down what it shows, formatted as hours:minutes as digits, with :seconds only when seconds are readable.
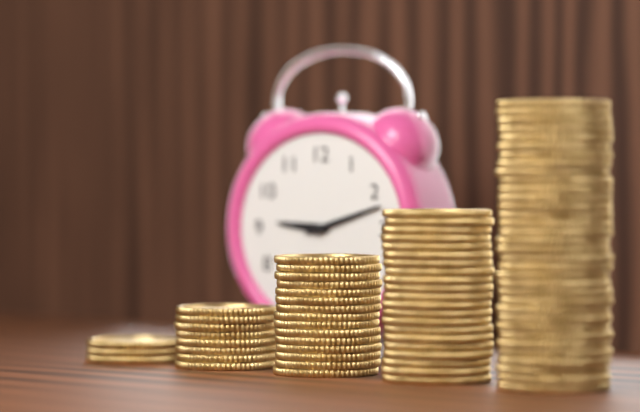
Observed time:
9:12:12
